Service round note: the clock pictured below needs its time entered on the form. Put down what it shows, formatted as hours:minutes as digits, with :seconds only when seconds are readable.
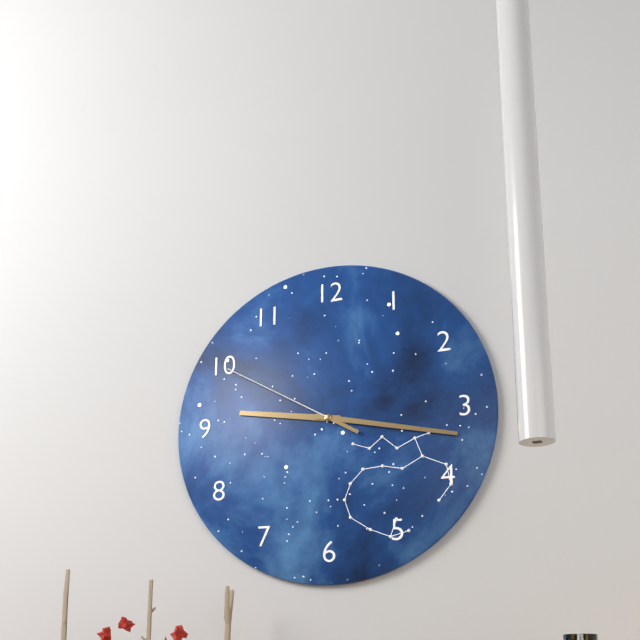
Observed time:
9:17:50
